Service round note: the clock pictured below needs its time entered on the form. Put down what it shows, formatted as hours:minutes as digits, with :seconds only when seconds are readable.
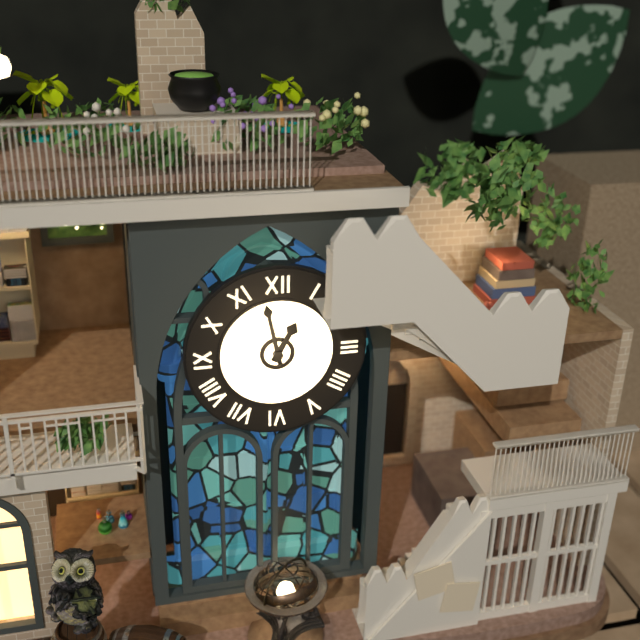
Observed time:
12:58
